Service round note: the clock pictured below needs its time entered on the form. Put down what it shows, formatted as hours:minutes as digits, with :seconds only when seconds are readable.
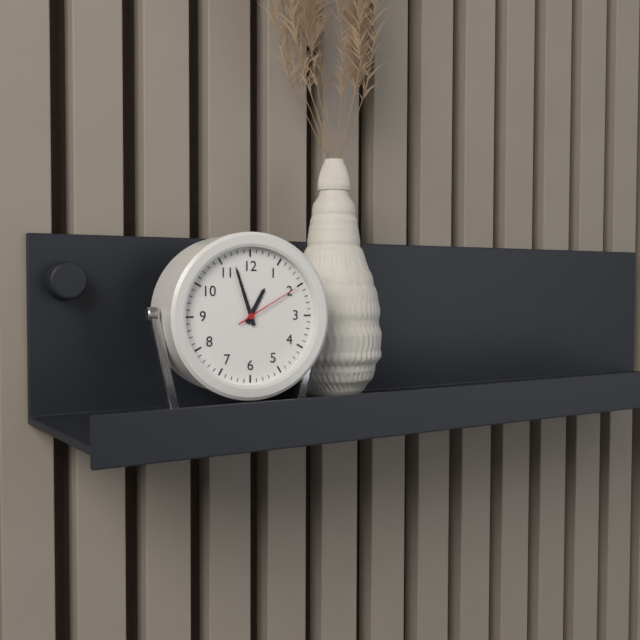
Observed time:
12:57:10
